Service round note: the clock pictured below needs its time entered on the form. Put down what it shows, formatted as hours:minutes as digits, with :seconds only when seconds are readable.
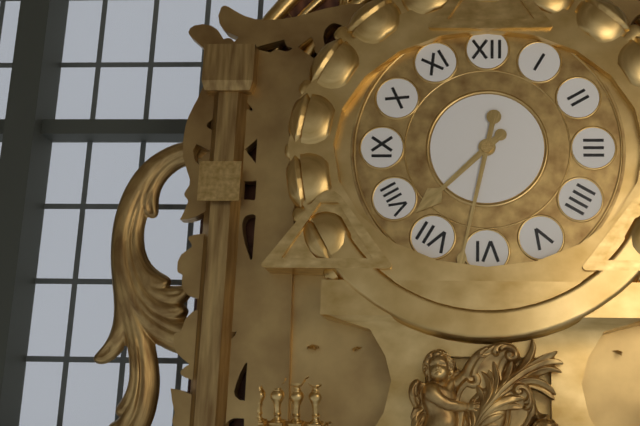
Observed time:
7:32
